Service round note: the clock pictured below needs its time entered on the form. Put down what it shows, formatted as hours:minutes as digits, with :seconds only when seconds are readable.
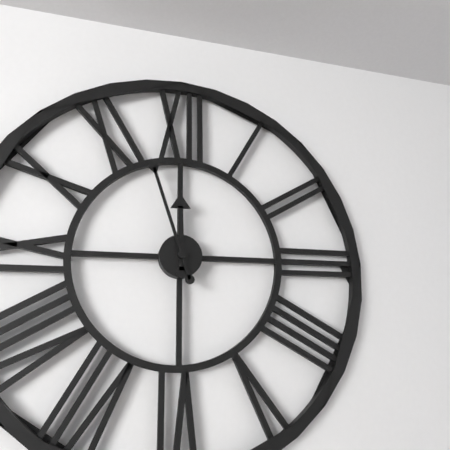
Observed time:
11:57
